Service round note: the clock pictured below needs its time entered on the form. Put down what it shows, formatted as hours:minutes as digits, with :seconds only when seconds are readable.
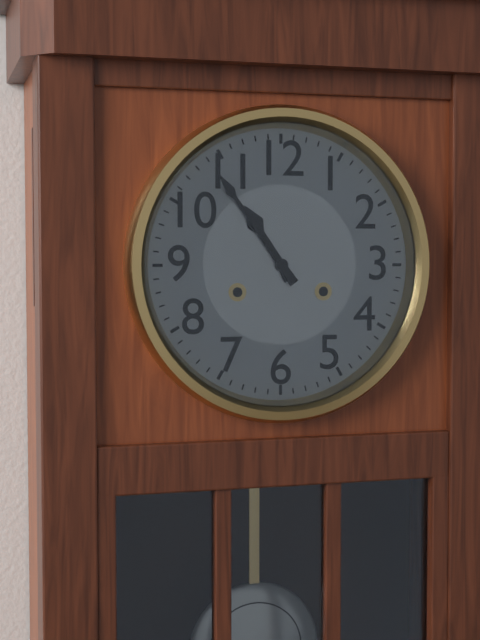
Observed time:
10:54
